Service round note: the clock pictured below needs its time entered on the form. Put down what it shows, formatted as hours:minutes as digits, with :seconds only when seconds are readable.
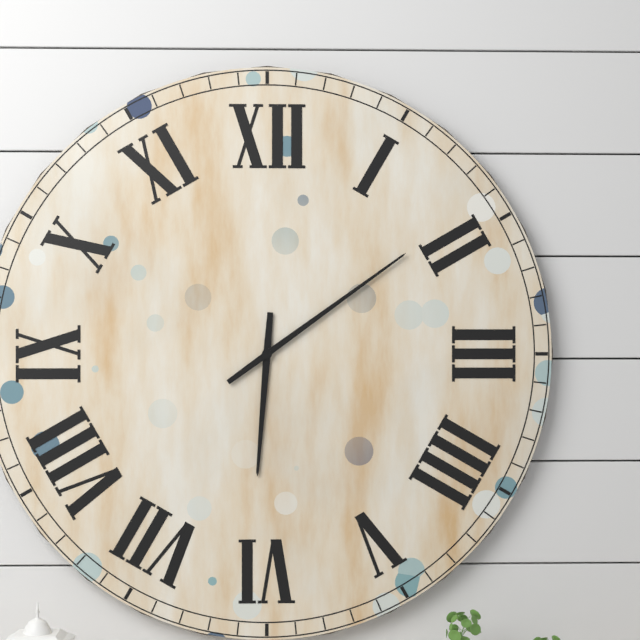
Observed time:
6:09
